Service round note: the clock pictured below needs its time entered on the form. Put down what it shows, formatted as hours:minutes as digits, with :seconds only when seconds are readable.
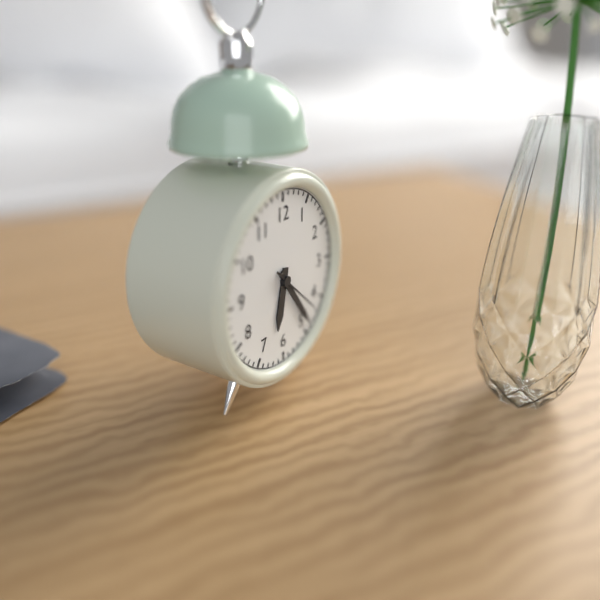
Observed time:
6:24:22
